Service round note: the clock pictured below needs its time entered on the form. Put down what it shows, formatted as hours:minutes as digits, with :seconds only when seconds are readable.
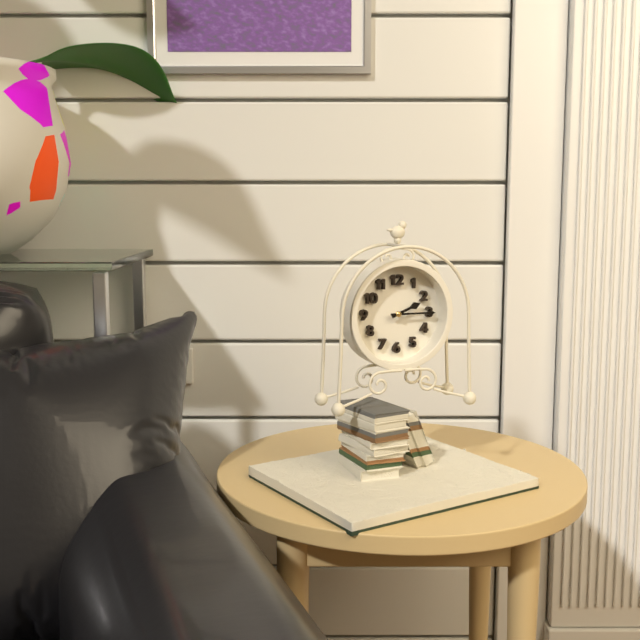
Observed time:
2:15
